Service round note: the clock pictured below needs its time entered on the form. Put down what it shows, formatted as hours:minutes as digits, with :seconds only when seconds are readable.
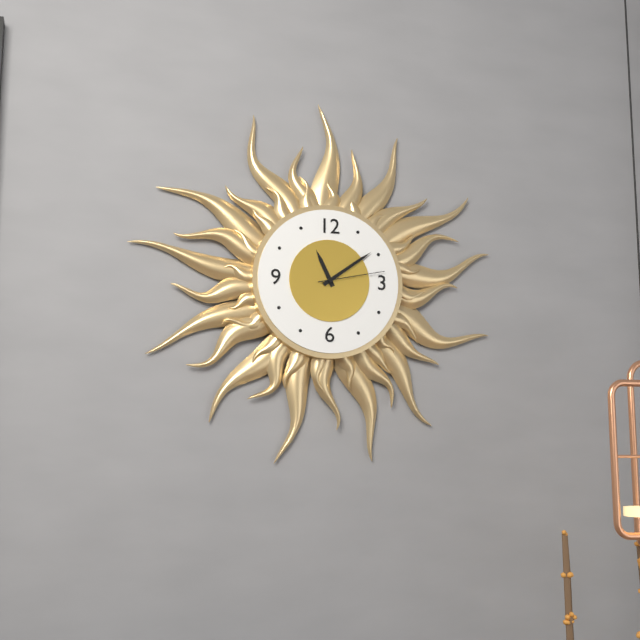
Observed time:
11:09:13
